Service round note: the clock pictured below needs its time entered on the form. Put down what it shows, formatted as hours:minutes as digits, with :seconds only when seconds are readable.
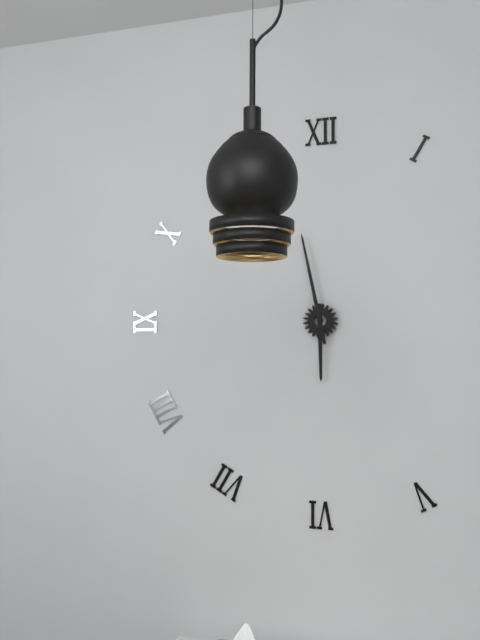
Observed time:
5:58
